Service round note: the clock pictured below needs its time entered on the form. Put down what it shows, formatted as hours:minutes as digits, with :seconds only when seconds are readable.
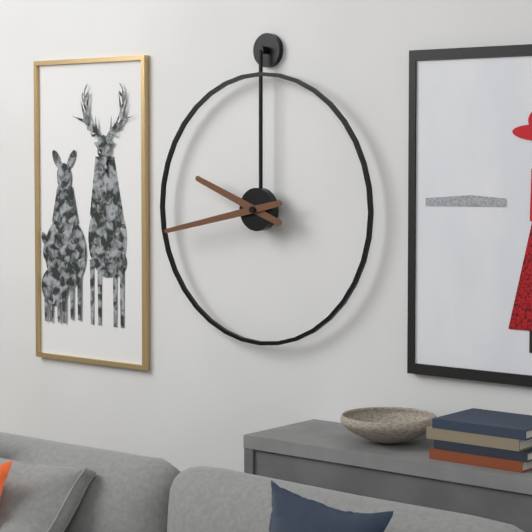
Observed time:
9:43
